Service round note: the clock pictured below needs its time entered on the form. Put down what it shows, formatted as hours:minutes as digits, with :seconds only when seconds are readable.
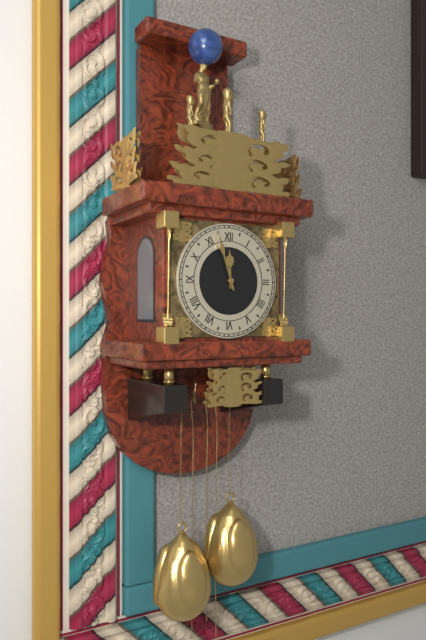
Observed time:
11:57
